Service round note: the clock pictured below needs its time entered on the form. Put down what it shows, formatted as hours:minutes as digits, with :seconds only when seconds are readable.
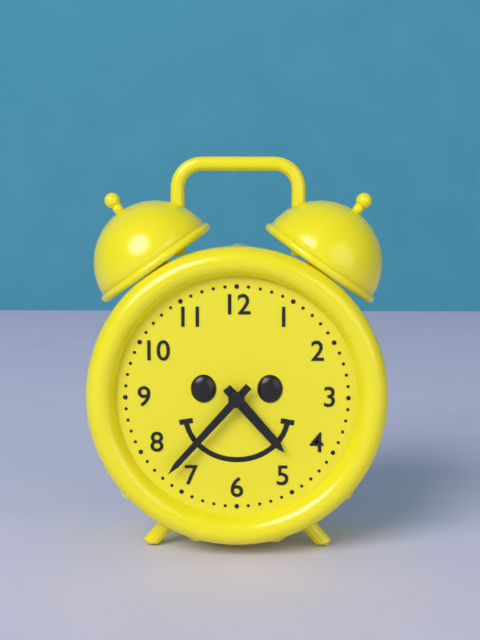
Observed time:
4:37
